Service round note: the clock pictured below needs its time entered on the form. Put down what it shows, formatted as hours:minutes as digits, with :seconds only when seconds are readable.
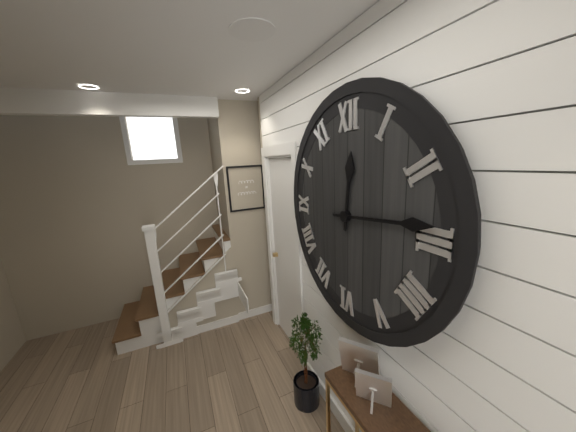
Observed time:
12:14
